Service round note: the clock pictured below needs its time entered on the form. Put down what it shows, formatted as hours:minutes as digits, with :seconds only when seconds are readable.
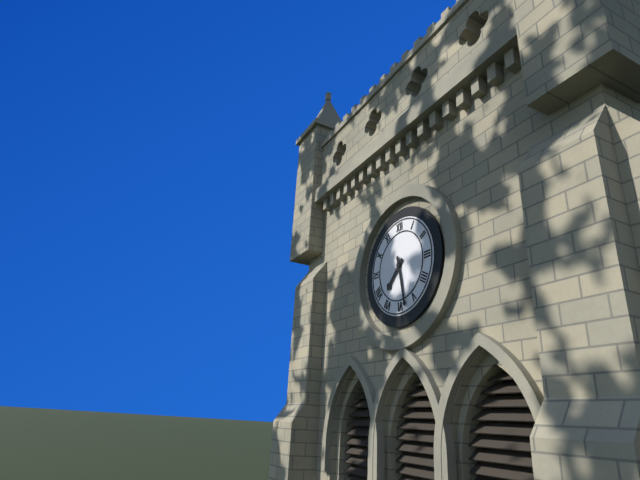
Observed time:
7:28
